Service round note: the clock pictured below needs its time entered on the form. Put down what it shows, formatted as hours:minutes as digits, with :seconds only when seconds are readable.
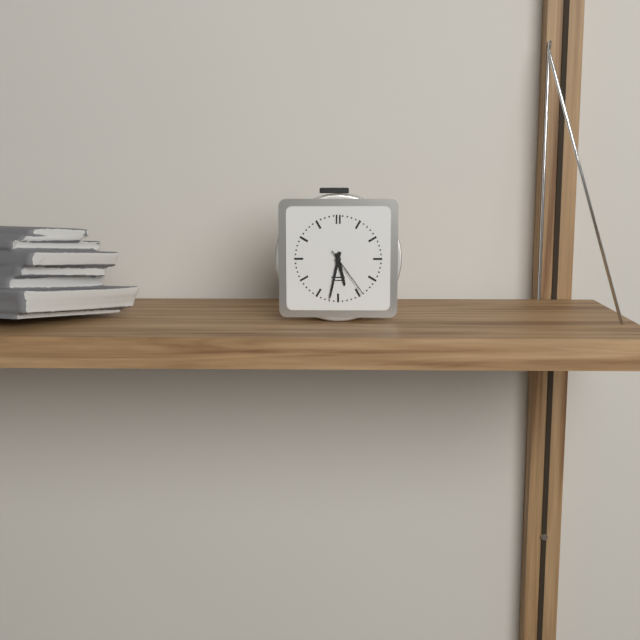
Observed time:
5:32:24
